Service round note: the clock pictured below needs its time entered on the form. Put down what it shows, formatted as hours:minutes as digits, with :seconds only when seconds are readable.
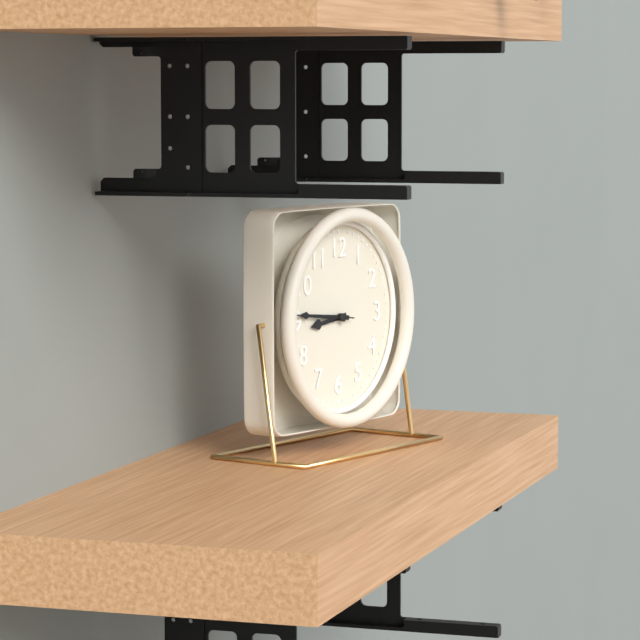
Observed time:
8:46:46
